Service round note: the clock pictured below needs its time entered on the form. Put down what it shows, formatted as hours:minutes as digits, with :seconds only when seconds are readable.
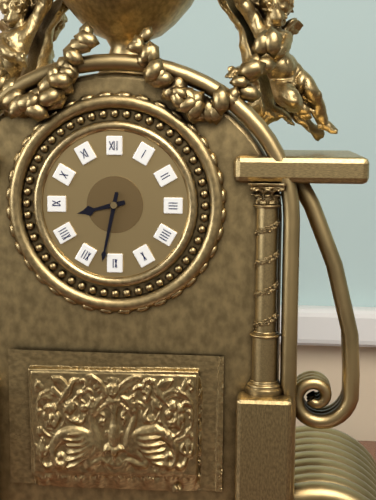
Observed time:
8:32
